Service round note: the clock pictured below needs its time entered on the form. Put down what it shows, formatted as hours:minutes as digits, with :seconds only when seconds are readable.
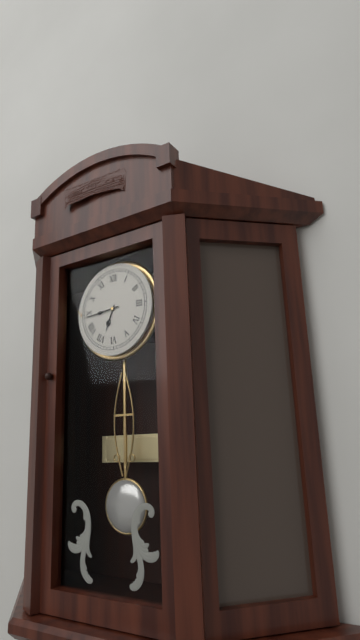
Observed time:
6:44
